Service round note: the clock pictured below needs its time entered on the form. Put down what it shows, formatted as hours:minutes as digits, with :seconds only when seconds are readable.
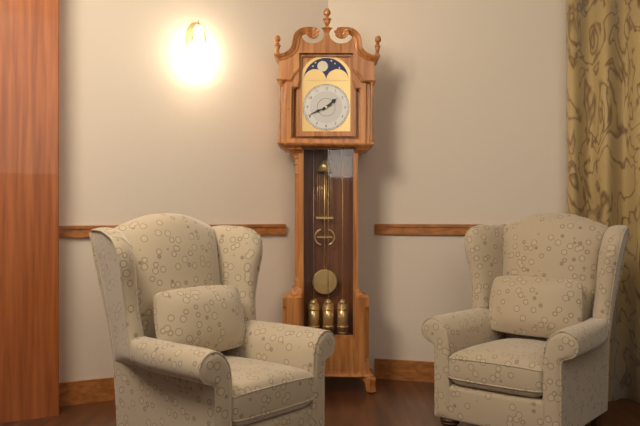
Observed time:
1:41
